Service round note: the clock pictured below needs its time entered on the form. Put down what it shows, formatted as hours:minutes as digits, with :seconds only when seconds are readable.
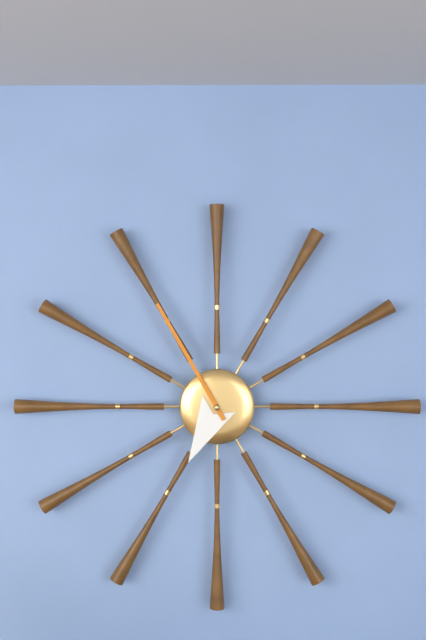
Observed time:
6:55
